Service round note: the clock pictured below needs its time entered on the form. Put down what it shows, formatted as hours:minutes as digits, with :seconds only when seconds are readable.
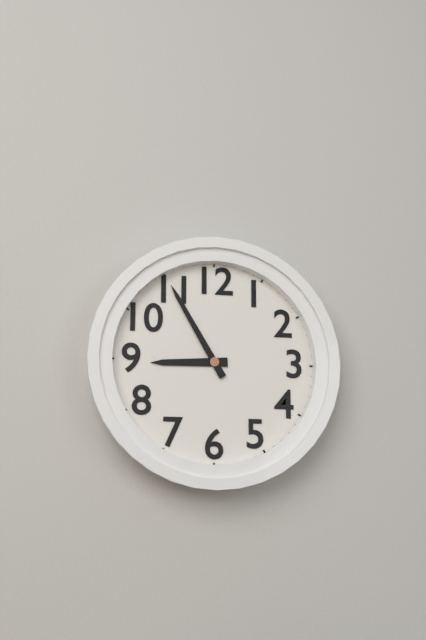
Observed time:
8:55
